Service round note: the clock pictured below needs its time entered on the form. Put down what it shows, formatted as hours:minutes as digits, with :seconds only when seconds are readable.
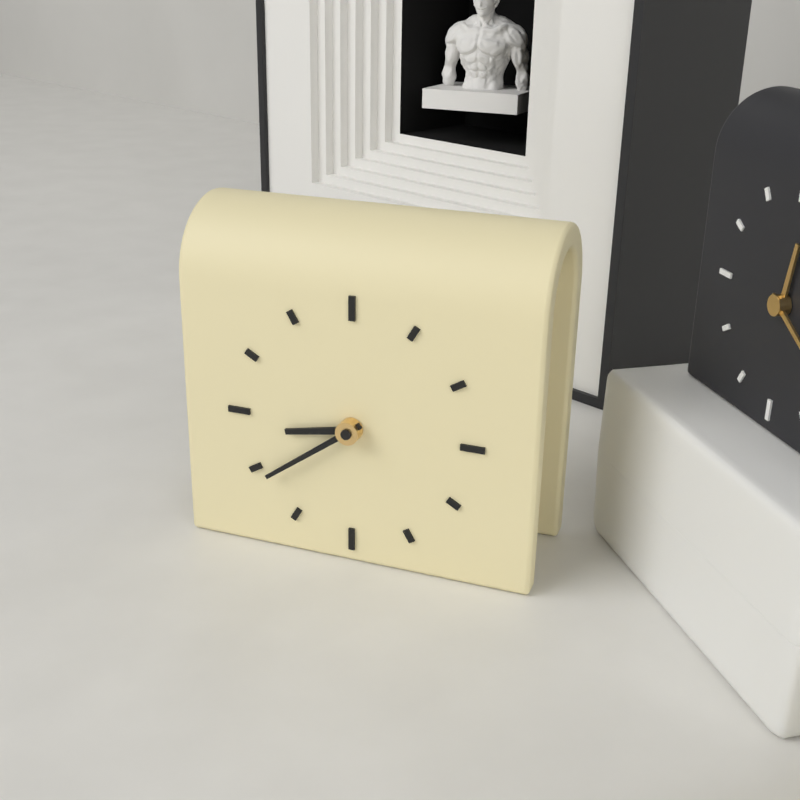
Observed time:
8:39
